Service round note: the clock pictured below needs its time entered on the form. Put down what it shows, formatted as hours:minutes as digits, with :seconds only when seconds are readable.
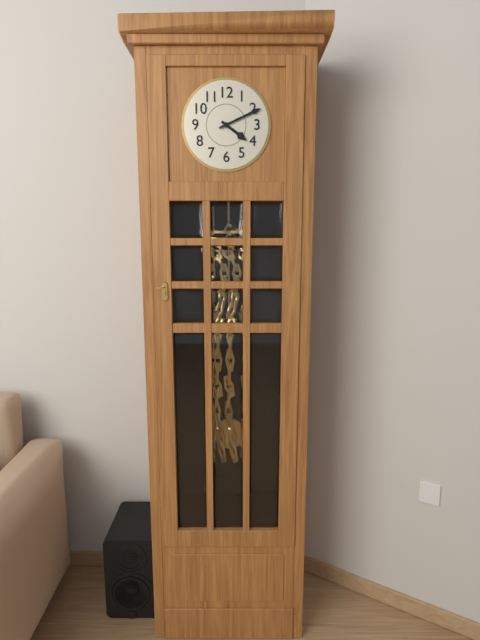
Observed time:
4:11
